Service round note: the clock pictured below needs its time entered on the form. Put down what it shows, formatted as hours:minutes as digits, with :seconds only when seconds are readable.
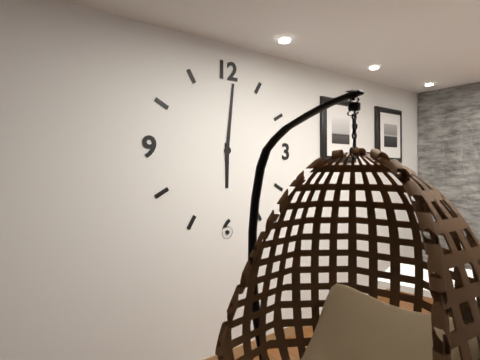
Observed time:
6:01
